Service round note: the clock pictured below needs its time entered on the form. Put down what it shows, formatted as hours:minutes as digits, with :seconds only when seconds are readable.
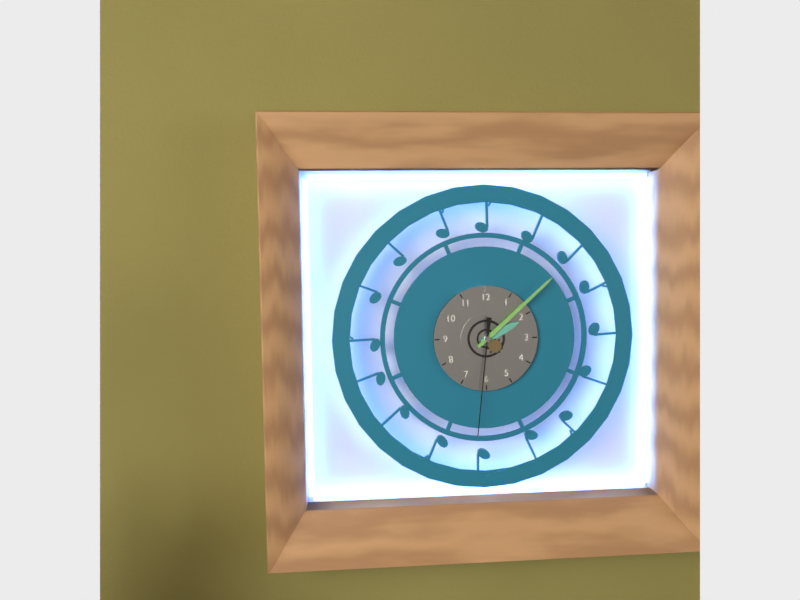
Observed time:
2:08:31
